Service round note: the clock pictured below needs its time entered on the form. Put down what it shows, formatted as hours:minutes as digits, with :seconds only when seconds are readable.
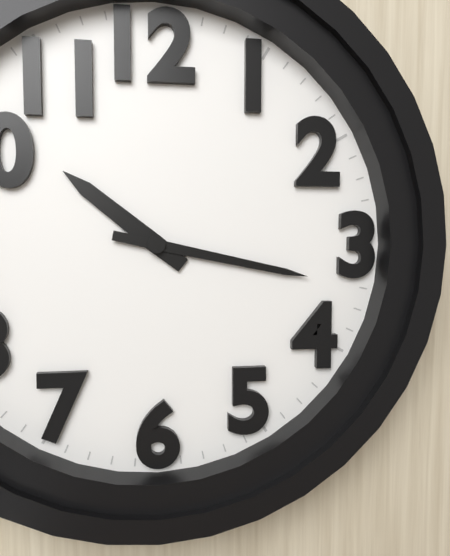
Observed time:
10:17
